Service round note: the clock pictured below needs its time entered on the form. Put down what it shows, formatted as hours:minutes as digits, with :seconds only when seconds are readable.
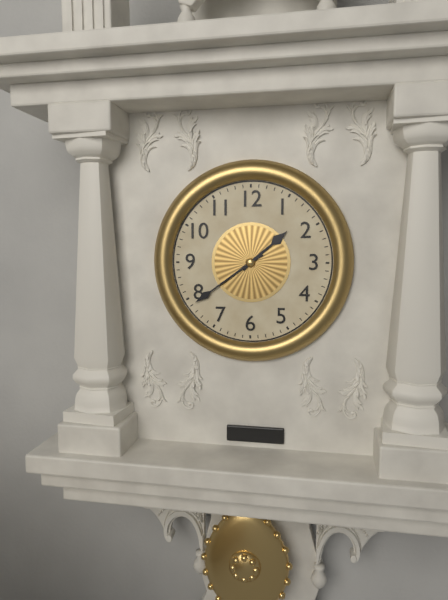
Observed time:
1:39
